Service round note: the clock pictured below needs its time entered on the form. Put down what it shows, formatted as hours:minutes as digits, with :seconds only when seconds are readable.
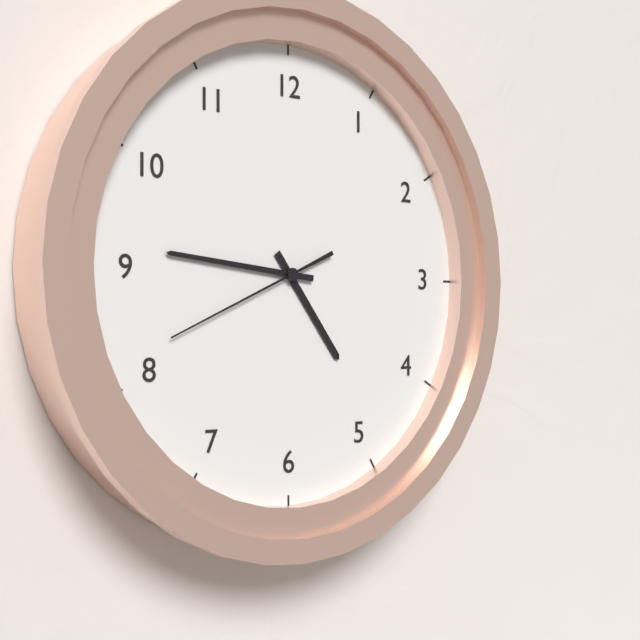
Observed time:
4:46:41
